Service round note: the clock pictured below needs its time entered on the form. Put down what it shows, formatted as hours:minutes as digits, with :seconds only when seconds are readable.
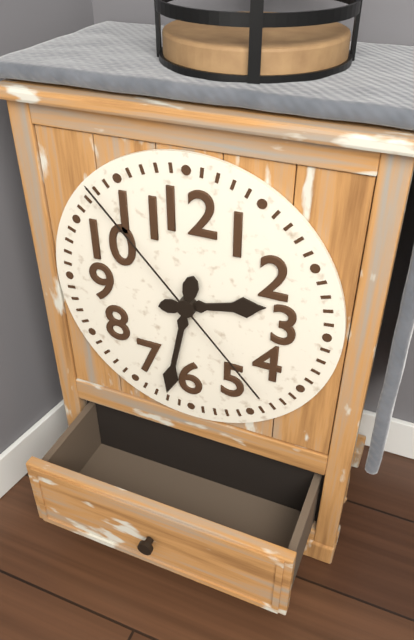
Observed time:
2:32:53
